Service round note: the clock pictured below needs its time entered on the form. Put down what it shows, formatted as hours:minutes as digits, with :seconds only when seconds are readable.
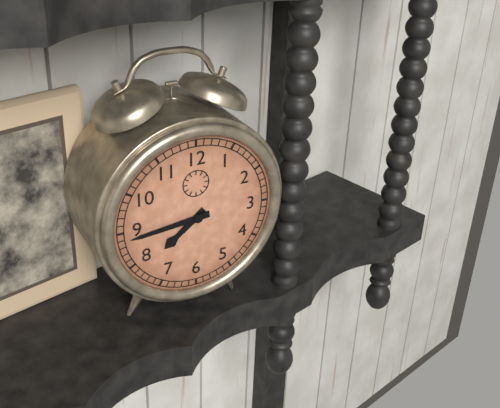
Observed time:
7:44
